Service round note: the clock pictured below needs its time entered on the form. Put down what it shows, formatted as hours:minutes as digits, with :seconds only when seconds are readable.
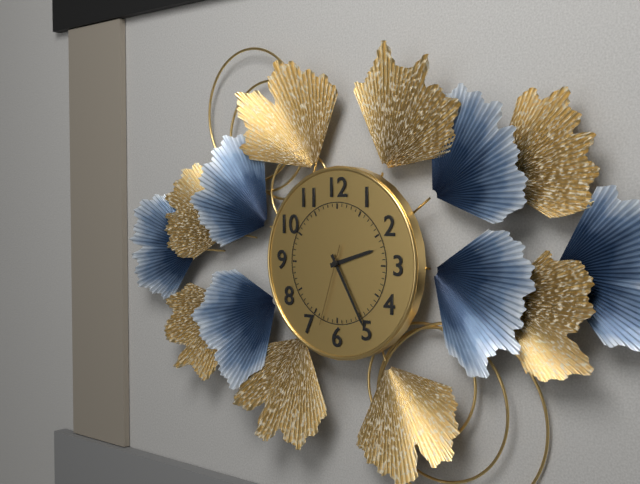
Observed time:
2:25:33
